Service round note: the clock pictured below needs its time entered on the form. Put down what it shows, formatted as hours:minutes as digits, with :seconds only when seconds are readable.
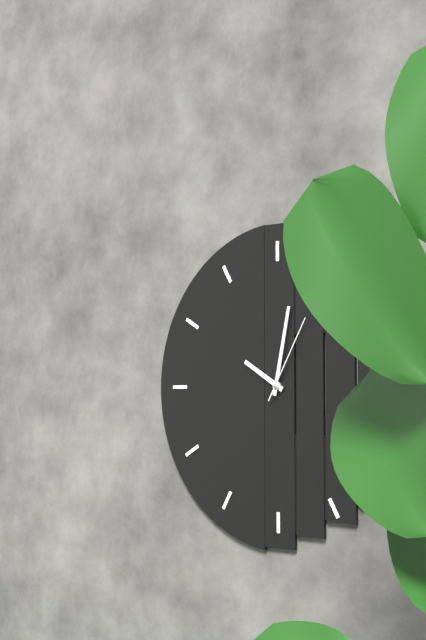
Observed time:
10:02:05
